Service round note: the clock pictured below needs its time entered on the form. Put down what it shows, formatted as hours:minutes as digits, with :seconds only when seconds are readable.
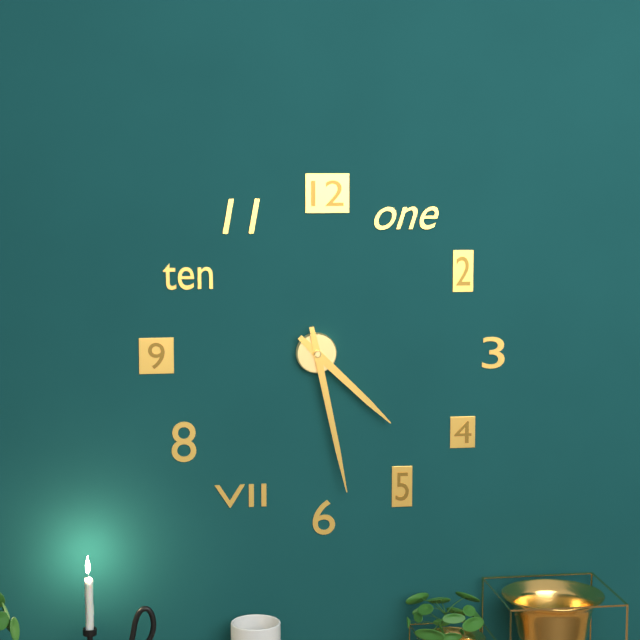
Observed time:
4:28
